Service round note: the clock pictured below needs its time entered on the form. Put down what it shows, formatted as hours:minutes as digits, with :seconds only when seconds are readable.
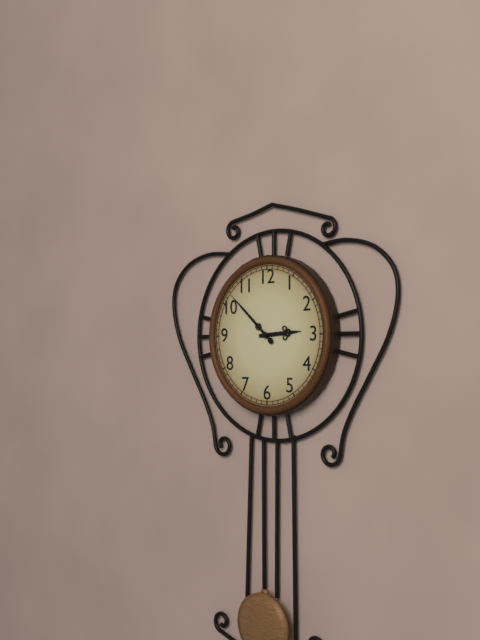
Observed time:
2:52
